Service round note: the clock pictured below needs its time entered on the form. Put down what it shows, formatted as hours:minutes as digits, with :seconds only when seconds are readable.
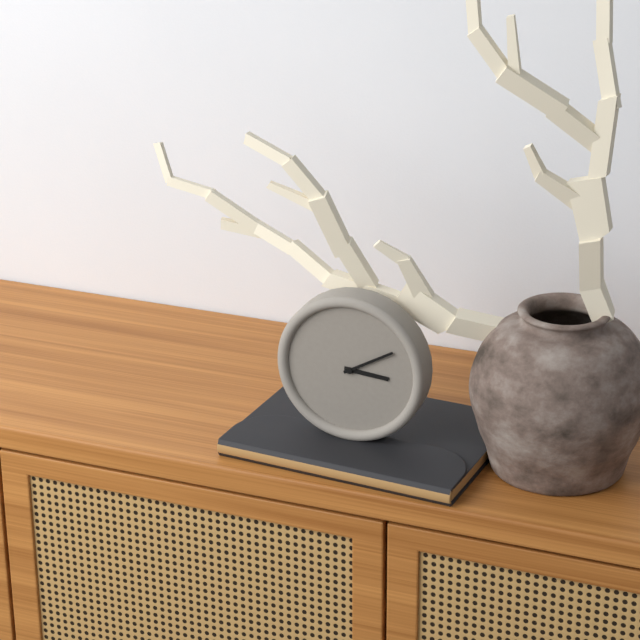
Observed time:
3:10
